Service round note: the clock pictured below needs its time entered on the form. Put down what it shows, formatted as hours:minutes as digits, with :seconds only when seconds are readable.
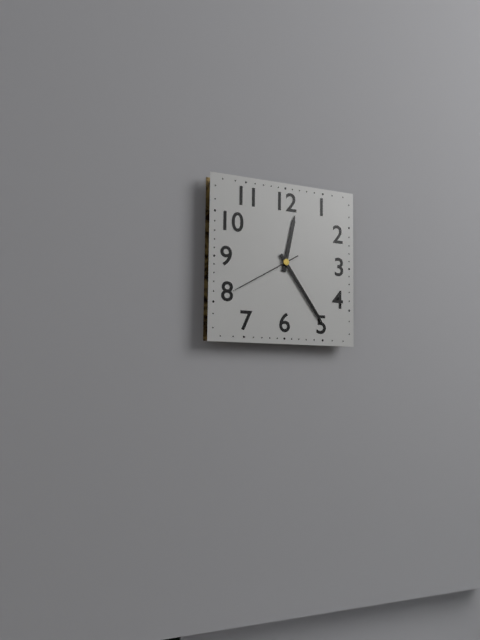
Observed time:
12:24:40
